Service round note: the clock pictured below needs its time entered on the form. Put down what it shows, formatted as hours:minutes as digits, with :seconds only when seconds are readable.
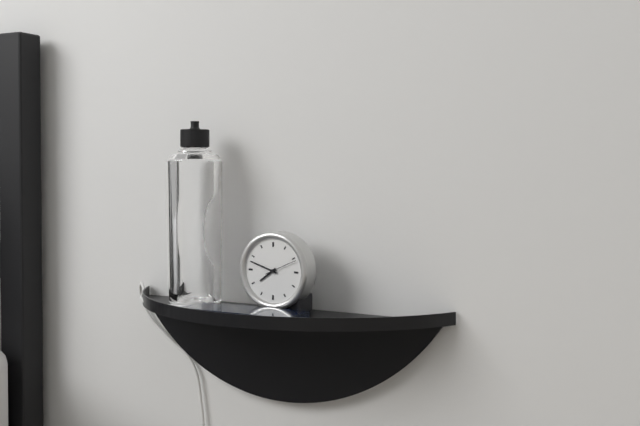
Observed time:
7:48
